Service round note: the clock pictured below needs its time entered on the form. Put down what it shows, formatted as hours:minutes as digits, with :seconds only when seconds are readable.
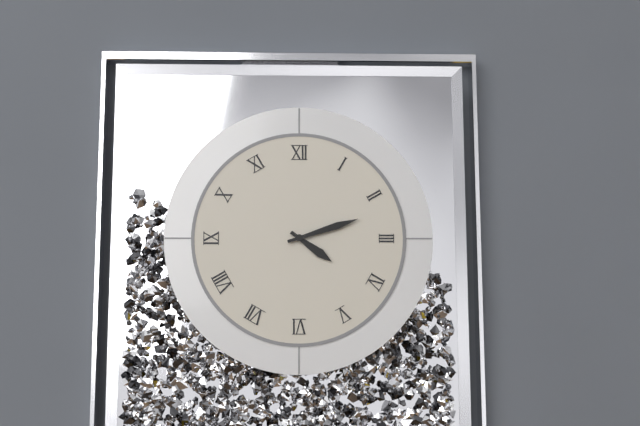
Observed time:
4:12
